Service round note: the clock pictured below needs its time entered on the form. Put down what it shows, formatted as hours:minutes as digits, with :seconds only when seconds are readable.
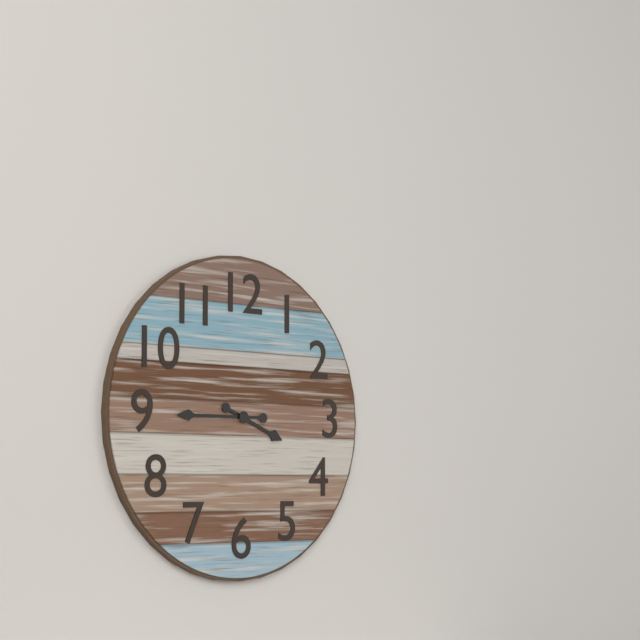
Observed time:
3:45
